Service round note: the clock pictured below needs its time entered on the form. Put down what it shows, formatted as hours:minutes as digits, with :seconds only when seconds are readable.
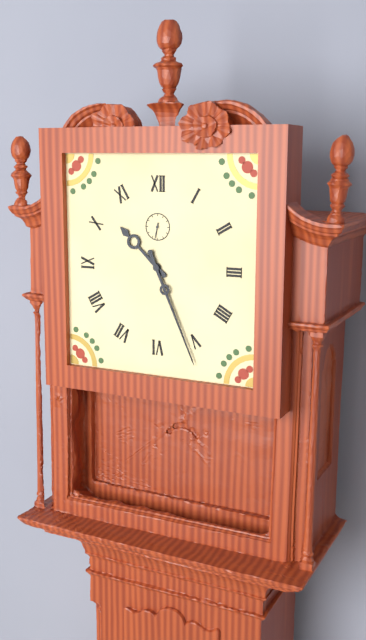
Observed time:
10:26
